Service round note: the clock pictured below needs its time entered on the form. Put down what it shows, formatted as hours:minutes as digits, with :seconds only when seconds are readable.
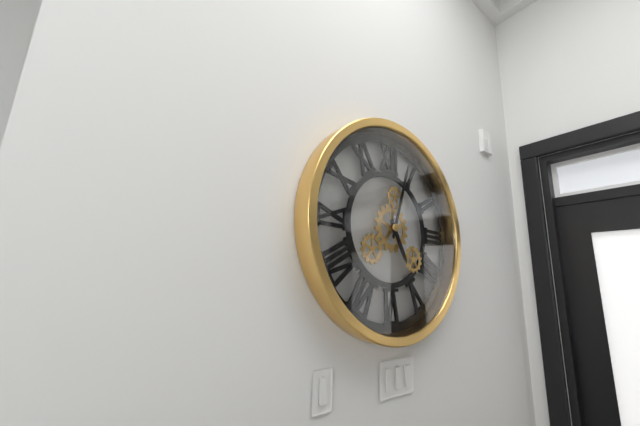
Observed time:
5:03
